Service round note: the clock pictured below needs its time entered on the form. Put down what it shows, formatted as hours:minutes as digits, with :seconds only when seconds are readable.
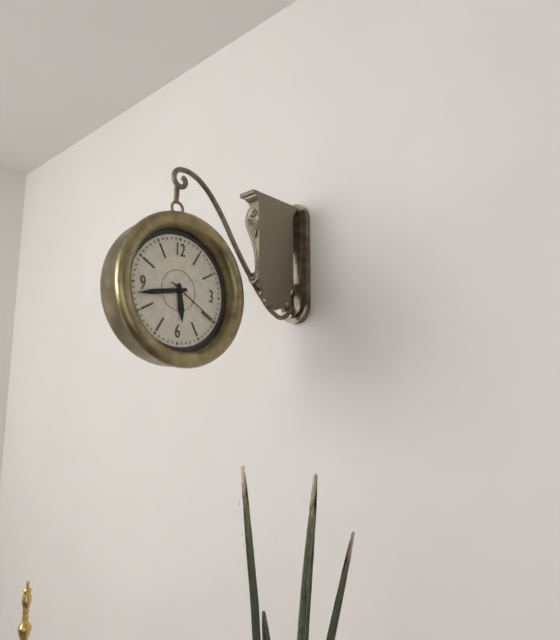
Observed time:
5:43:20
